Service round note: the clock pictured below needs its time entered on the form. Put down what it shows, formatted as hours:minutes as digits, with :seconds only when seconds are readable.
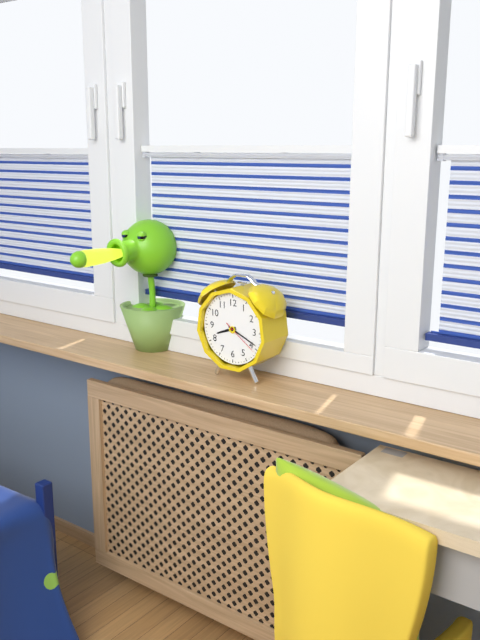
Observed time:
8:19
